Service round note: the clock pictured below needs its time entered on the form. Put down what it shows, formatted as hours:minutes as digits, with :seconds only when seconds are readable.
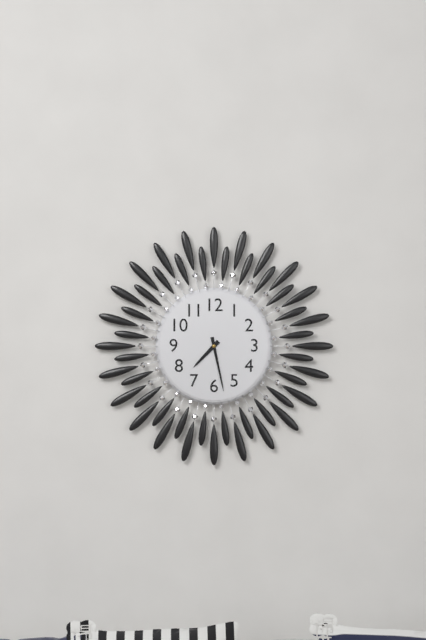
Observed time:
7:28
